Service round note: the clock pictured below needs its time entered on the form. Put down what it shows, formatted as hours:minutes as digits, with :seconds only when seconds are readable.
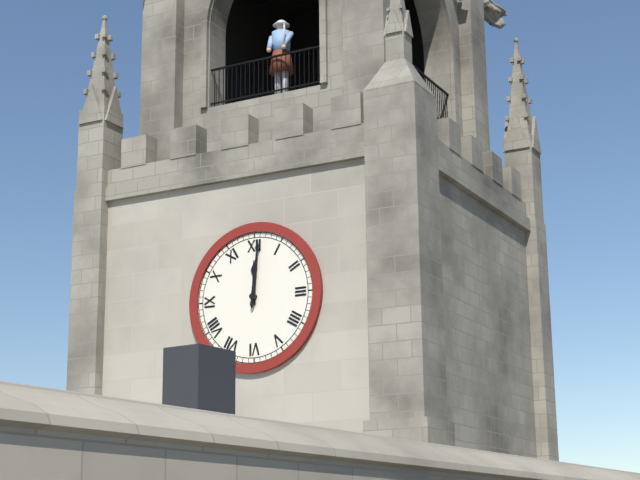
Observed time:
12:01
